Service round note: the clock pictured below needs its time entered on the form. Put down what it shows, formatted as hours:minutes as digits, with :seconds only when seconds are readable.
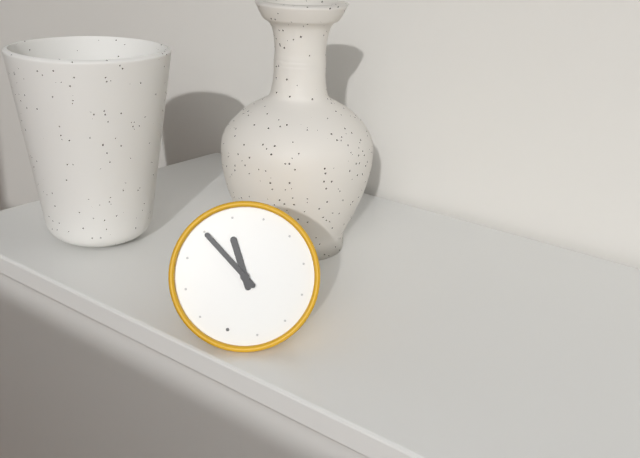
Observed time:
10:50
